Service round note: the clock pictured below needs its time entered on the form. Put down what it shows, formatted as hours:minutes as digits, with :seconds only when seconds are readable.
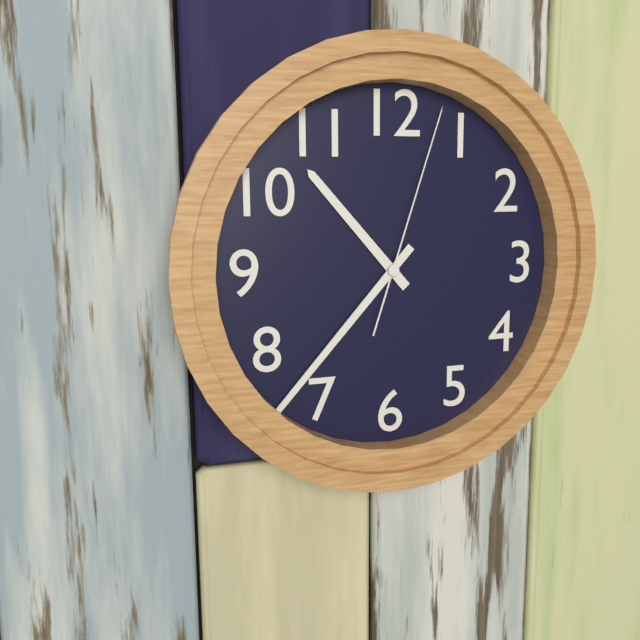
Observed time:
10:37:03
